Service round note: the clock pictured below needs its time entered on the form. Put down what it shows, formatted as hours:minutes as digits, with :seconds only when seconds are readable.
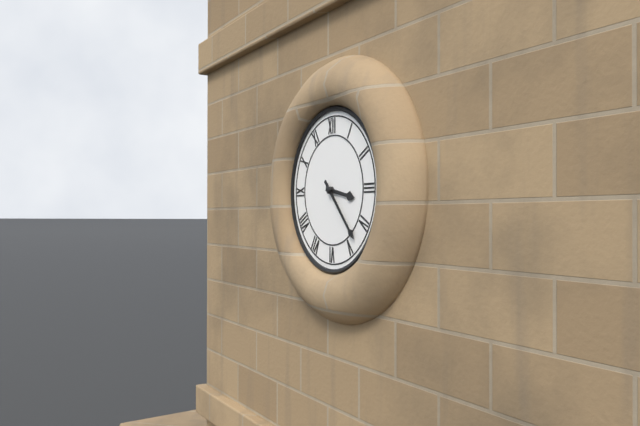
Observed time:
3:23
